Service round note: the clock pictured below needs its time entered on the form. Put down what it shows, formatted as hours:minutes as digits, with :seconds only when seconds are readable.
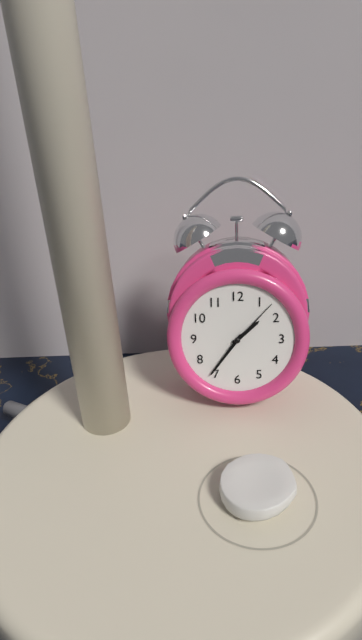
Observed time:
1:36:07
